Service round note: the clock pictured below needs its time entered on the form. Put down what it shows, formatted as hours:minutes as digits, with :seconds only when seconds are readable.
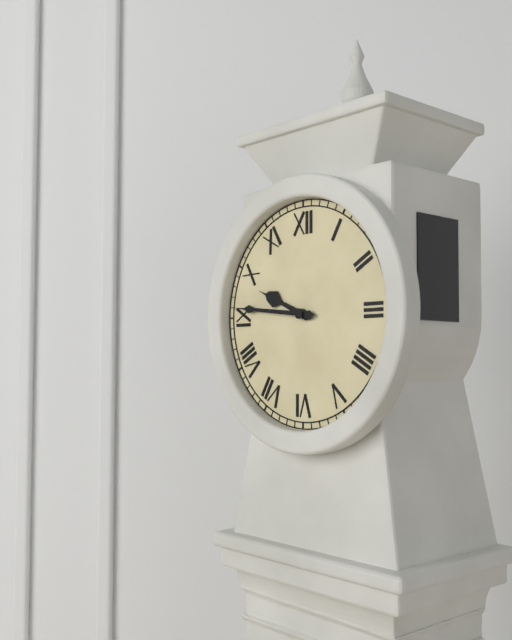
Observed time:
9:46
